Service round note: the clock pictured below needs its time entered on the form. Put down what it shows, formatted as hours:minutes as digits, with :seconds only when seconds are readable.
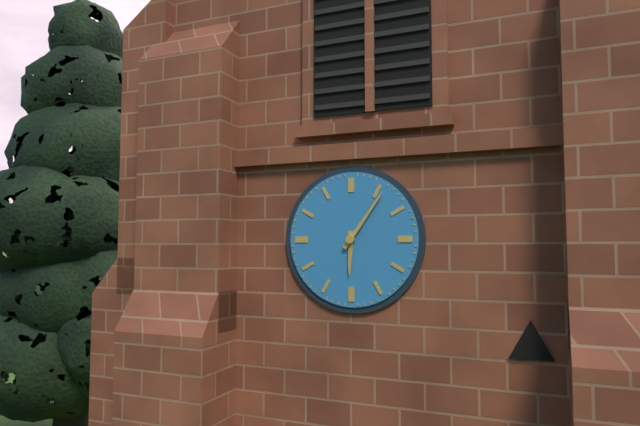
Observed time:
6:06
